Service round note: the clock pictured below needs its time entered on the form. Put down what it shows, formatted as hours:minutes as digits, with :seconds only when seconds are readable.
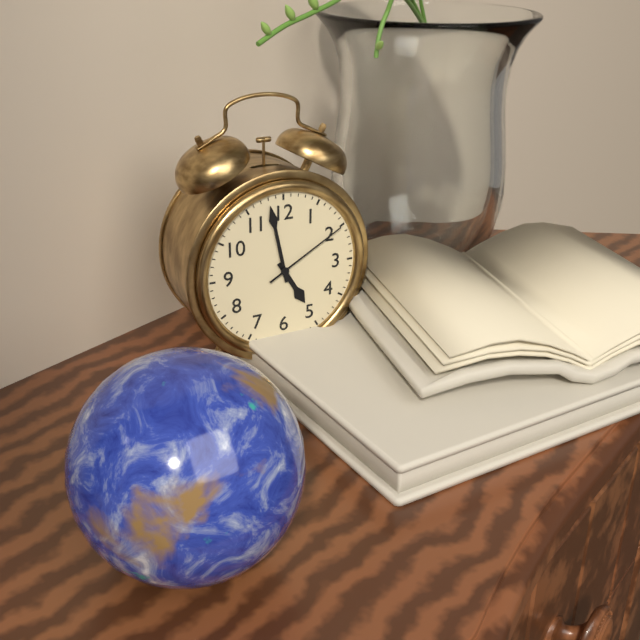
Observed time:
4:58:10
